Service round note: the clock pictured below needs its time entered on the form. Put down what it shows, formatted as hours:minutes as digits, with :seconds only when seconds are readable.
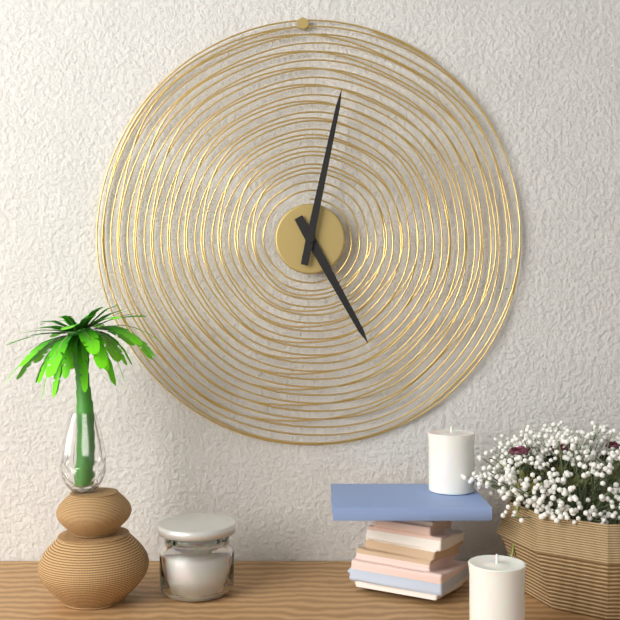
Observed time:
5:02
